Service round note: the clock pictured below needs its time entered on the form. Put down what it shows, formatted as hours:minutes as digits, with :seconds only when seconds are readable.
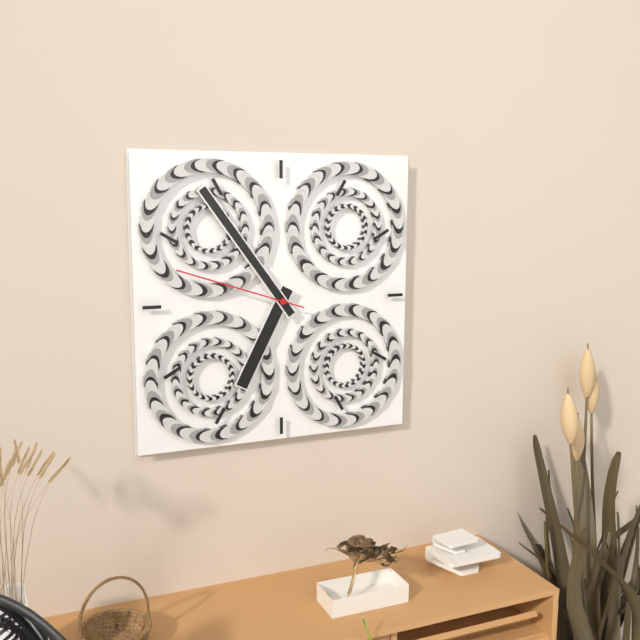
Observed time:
6:54:48
